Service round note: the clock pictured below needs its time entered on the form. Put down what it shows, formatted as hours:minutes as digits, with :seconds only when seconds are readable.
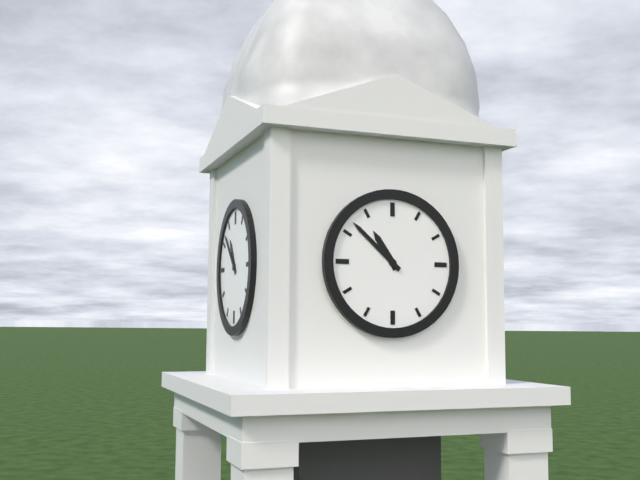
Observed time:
10:52
